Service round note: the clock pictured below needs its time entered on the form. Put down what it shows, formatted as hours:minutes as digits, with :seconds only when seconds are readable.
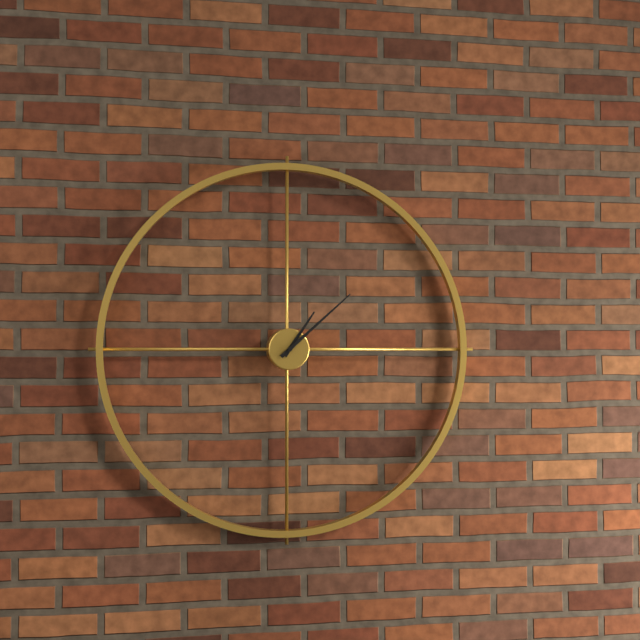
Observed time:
1:08
